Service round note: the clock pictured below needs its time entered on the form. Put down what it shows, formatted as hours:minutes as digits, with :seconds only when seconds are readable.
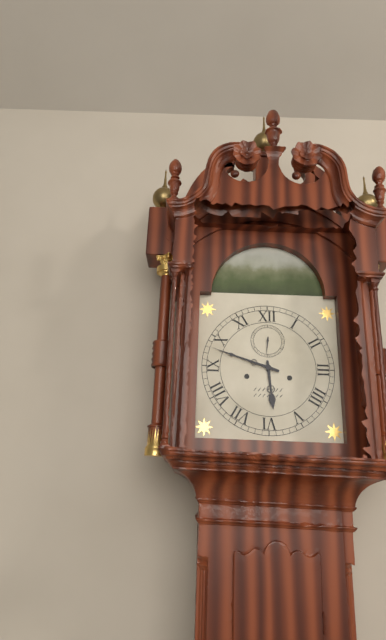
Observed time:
5:48
